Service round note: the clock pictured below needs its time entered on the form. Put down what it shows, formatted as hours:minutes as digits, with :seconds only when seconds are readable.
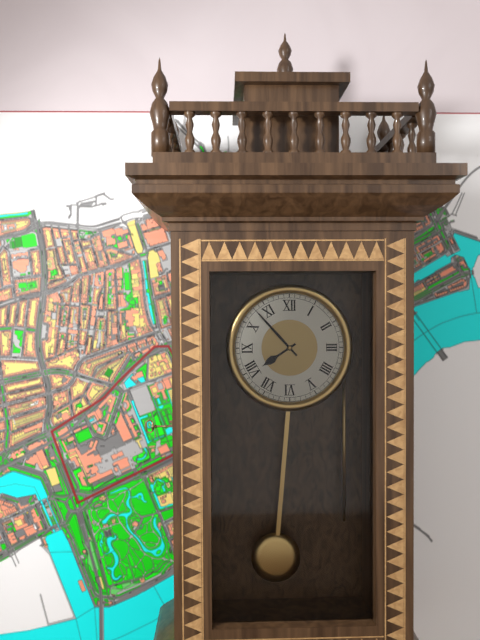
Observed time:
7:53
